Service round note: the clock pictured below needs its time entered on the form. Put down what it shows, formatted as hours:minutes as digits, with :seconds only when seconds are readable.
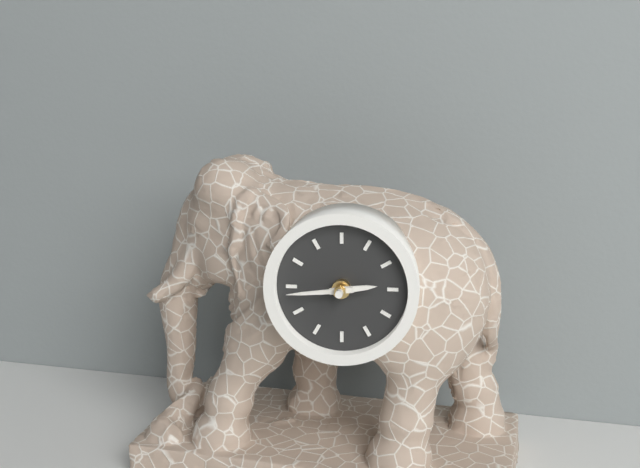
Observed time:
2:44
